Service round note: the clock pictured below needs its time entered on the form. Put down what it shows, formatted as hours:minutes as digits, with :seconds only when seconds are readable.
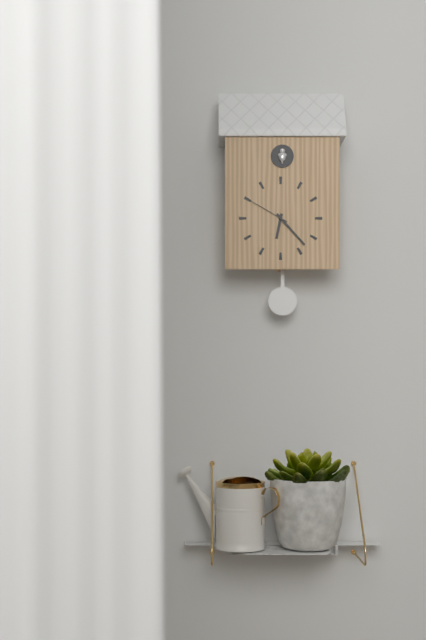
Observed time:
6:23
